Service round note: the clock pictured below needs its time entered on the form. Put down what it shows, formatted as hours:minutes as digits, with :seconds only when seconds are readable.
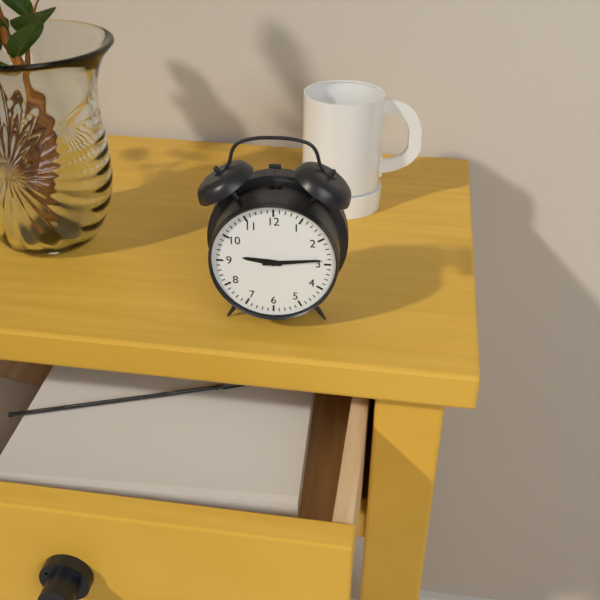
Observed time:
9:14
